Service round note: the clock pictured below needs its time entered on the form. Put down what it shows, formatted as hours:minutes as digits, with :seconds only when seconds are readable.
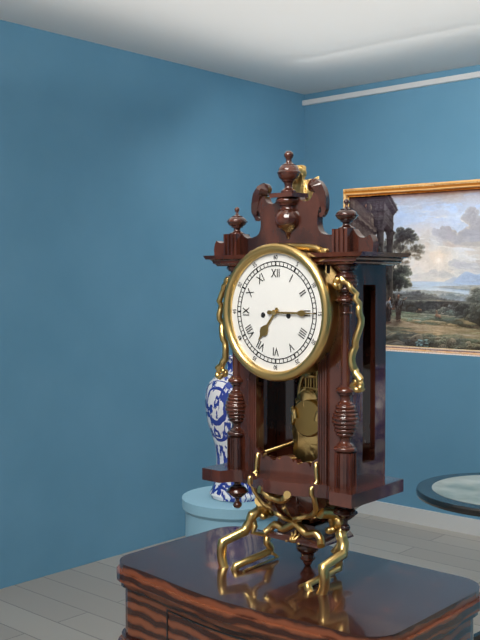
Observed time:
7:15
